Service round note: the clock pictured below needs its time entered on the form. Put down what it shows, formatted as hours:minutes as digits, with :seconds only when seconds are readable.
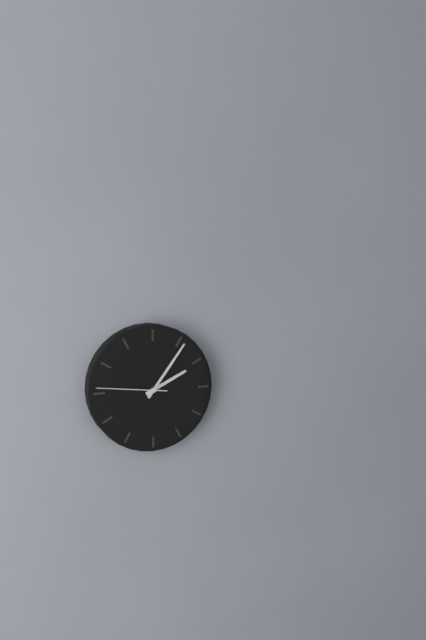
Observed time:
2:06:46
